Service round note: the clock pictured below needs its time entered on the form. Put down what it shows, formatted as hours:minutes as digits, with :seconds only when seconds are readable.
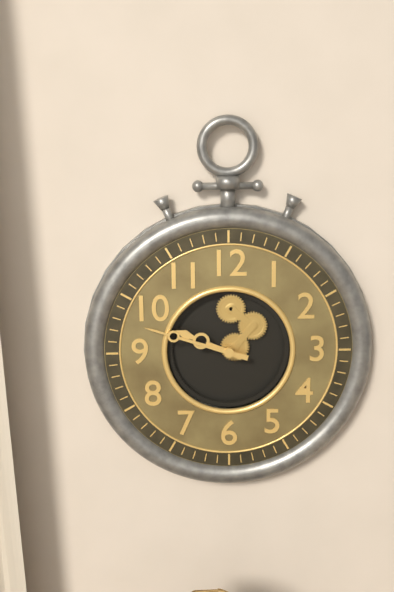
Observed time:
9:48
